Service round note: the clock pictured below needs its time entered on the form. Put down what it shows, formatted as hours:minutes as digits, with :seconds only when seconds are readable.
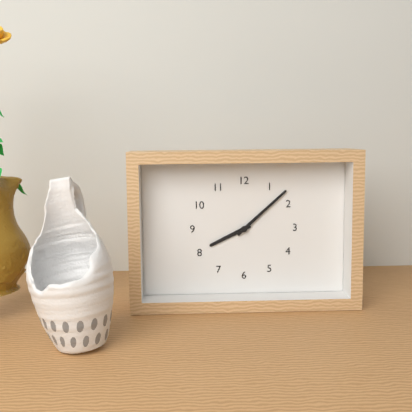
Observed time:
8:08
